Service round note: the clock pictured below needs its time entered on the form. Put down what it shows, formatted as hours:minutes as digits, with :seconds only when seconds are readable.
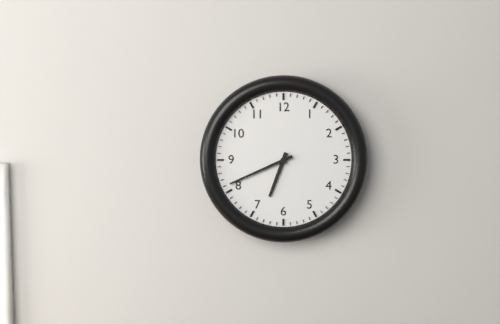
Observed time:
6:41
